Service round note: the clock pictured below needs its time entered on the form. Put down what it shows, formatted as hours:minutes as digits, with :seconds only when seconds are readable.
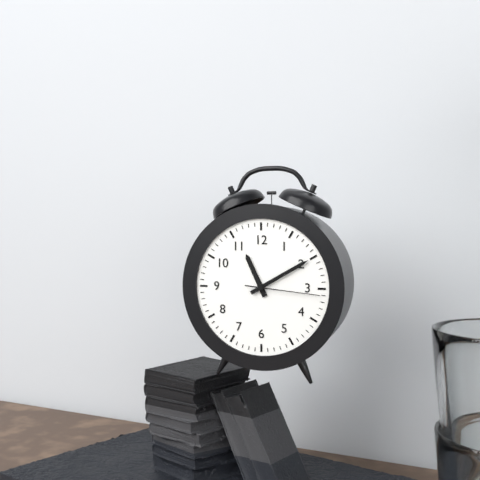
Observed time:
11:10:16
